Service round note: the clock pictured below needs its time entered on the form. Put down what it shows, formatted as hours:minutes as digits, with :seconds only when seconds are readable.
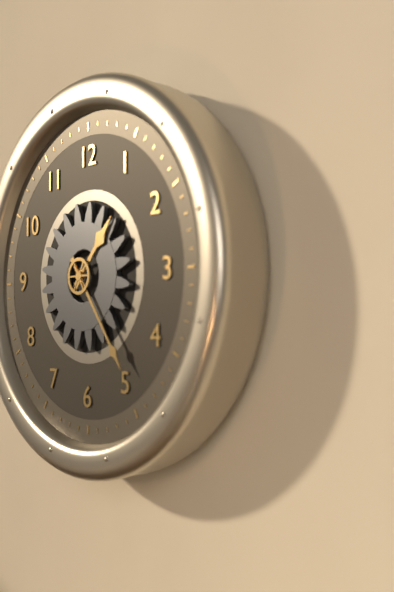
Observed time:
1:24
